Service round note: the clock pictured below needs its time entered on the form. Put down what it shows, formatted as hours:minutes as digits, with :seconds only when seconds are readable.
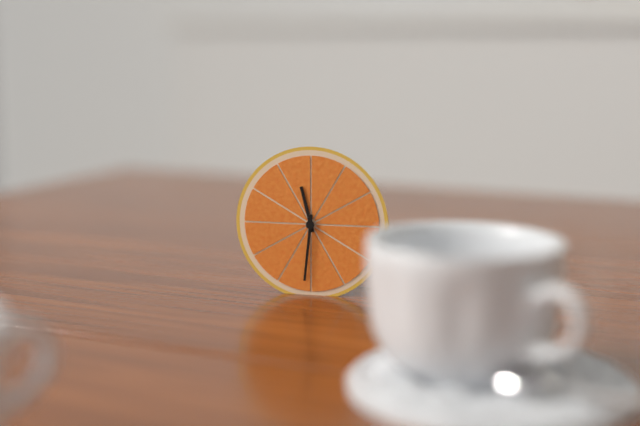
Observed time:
11:31
